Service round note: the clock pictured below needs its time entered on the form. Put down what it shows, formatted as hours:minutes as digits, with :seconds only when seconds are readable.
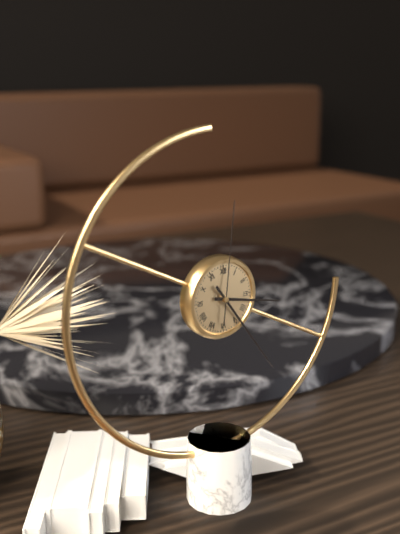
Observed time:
3:24:01
